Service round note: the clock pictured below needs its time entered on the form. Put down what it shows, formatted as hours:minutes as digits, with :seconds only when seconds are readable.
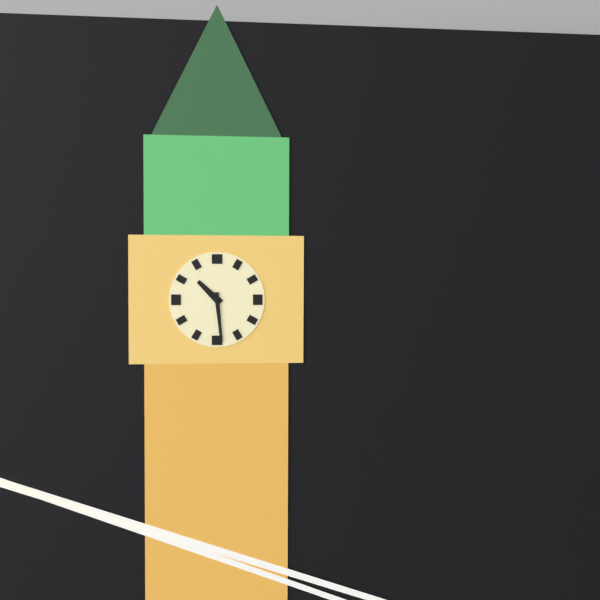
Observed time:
10:29
